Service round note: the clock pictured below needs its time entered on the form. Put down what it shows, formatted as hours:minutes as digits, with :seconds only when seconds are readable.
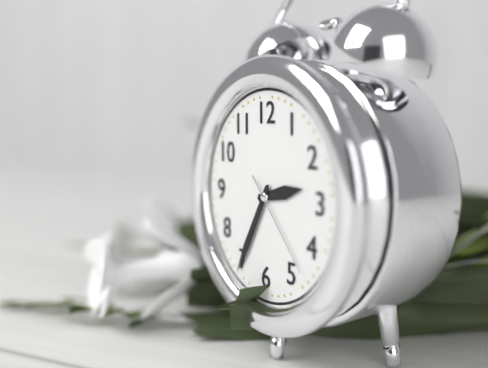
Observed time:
2:35:23
